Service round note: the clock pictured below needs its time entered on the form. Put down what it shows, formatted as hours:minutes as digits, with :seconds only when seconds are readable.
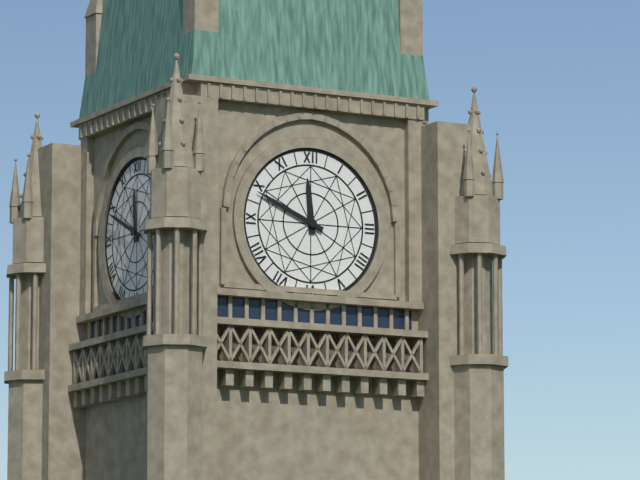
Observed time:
11:49
